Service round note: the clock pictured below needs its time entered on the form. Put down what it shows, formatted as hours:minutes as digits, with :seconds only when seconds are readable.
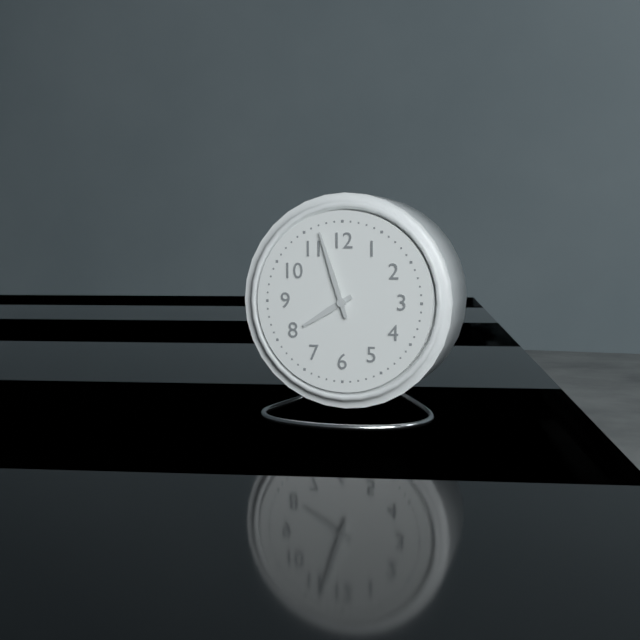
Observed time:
7:57
